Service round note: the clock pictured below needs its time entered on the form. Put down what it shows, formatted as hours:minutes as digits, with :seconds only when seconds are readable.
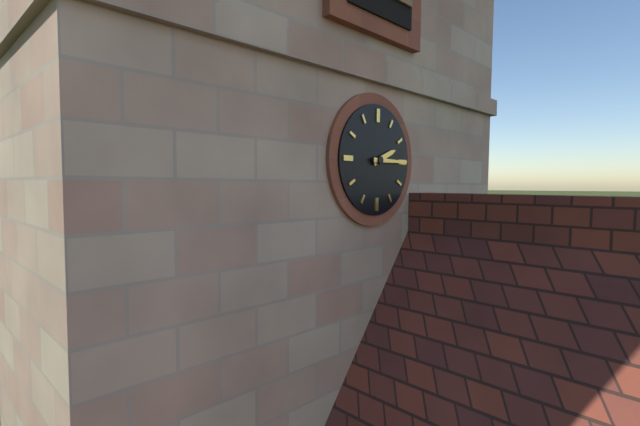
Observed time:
2:15
